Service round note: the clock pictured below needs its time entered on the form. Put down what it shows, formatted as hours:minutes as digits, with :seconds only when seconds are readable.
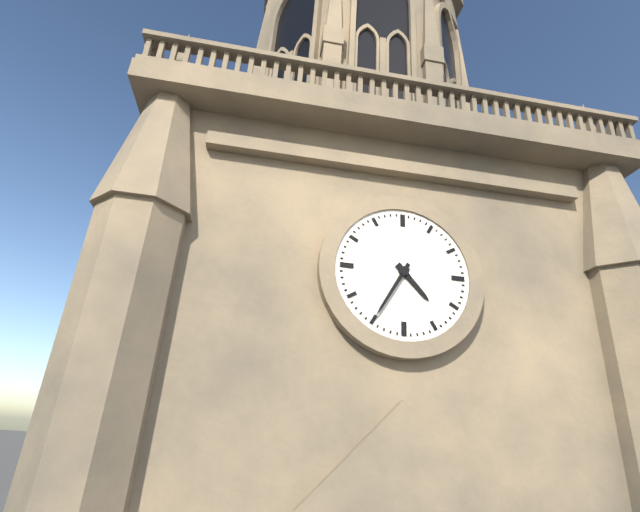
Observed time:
4:35
